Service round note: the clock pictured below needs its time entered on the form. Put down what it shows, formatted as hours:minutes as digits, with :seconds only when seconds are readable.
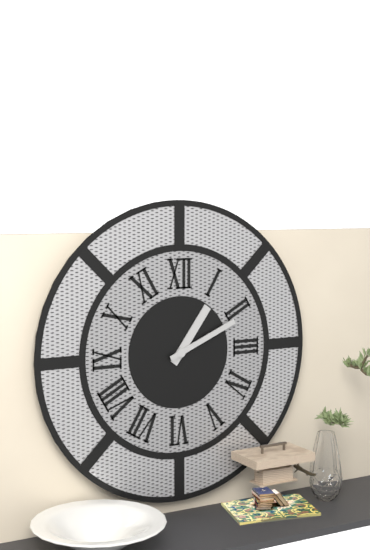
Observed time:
1:11
